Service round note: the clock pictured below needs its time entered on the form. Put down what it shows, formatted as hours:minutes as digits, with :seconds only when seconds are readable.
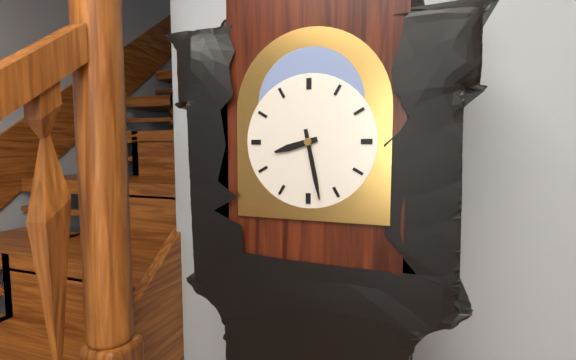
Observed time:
8:28
